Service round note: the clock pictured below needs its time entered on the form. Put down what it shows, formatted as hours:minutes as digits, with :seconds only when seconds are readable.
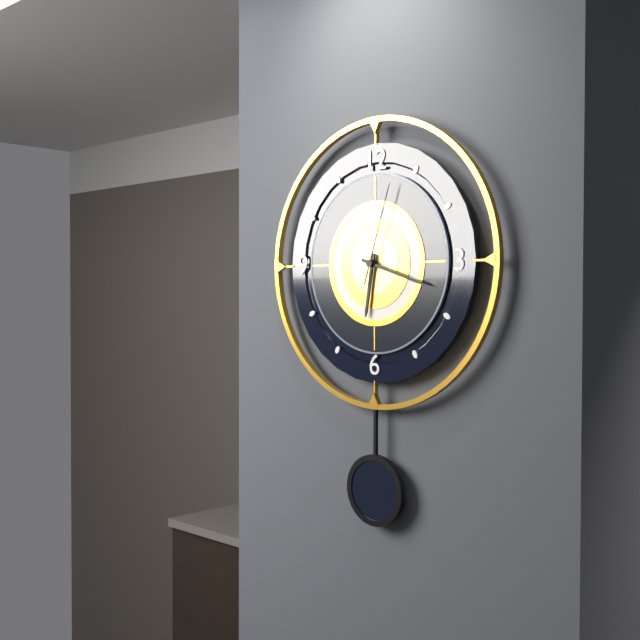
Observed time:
6:18:03
